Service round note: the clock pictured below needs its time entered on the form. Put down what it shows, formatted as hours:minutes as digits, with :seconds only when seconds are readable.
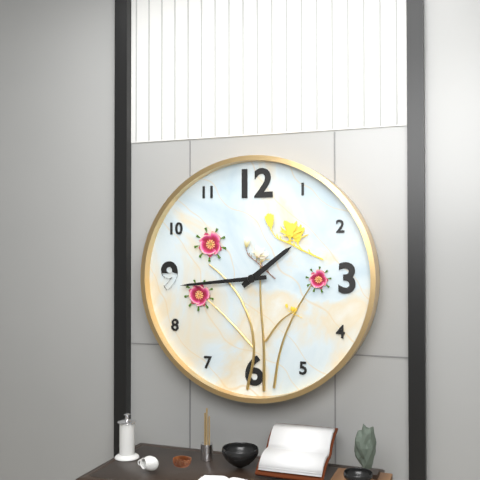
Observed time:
1:44
